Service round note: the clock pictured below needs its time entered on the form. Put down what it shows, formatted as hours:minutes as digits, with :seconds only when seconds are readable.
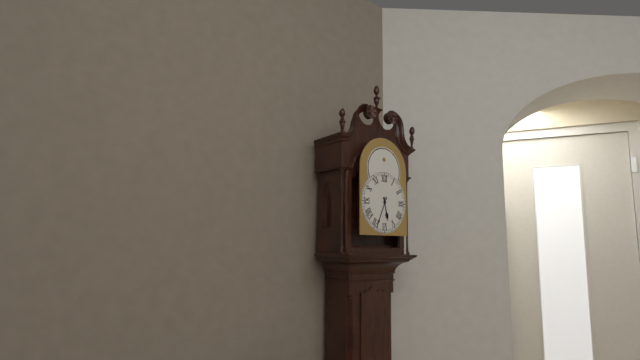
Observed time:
5:34
